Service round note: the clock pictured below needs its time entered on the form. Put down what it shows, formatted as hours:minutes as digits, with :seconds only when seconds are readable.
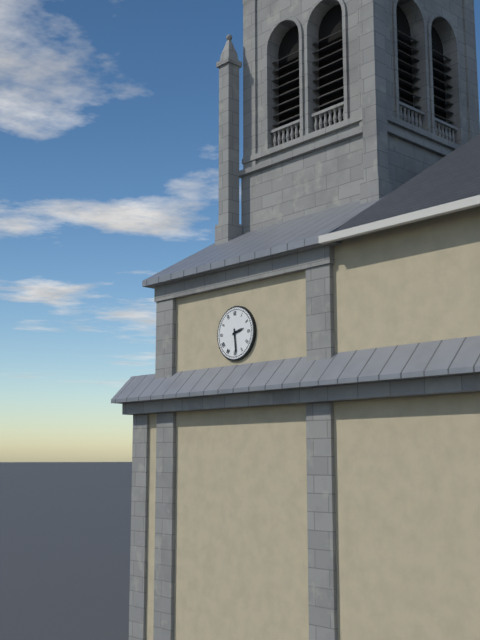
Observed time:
2:29
